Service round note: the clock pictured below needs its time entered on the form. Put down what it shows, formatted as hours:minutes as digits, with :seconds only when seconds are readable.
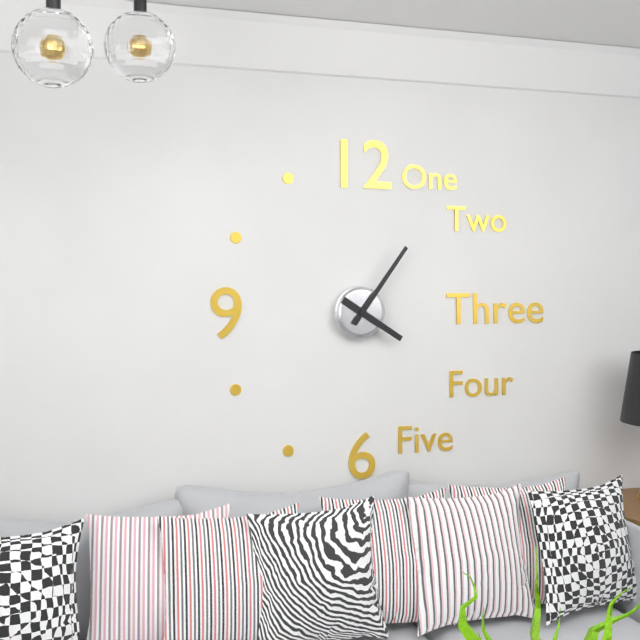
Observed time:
4:06
